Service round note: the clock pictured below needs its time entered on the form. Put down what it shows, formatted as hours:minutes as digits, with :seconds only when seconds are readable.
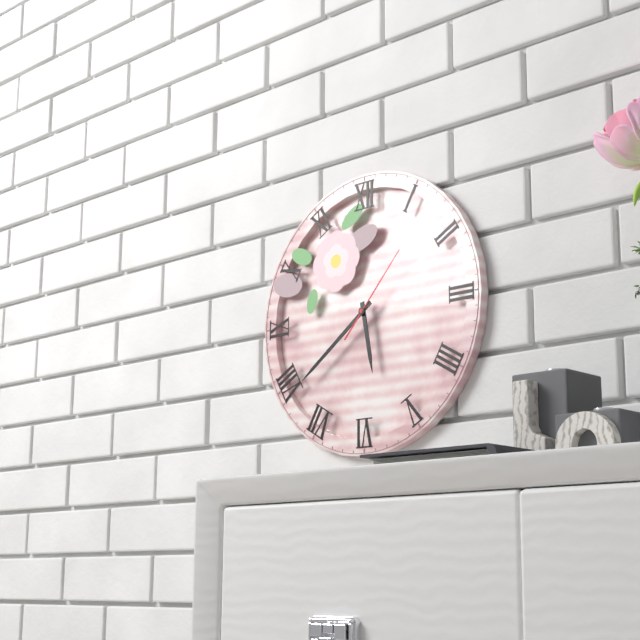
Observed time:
5:39:07
